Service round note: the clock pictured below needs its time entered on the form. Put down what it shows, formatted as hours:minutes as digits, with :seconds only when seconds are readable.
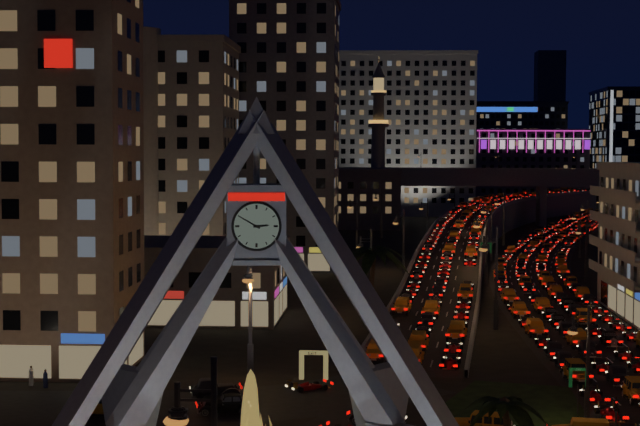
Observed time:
2:50
